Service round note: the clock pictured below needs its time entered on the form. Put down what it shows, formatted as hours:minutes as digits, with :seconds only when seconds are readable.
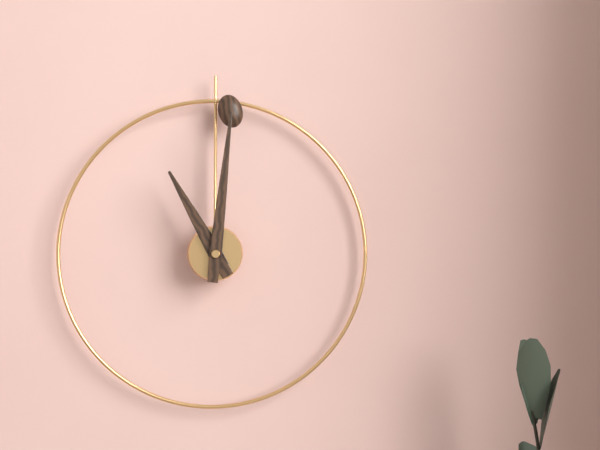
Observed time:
11:01
